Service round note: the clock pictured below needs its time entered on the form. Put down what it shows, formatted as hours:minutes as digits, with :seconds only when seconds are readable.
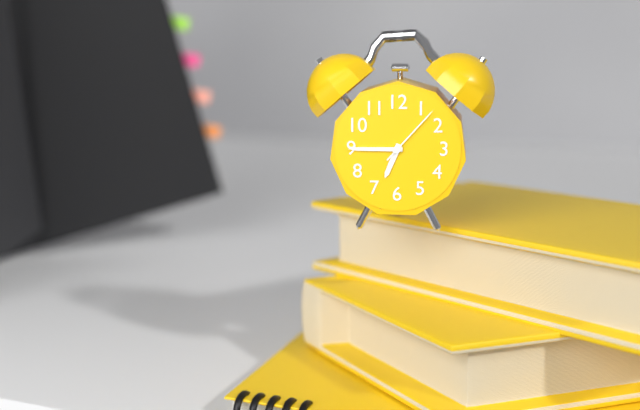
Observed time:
6:45:07
